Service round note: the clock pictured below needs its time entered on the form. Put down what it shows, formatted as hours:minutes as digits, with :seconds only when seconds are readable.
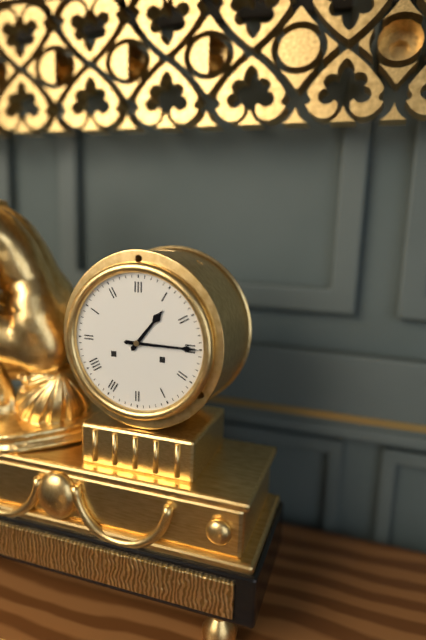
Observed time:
1:15
